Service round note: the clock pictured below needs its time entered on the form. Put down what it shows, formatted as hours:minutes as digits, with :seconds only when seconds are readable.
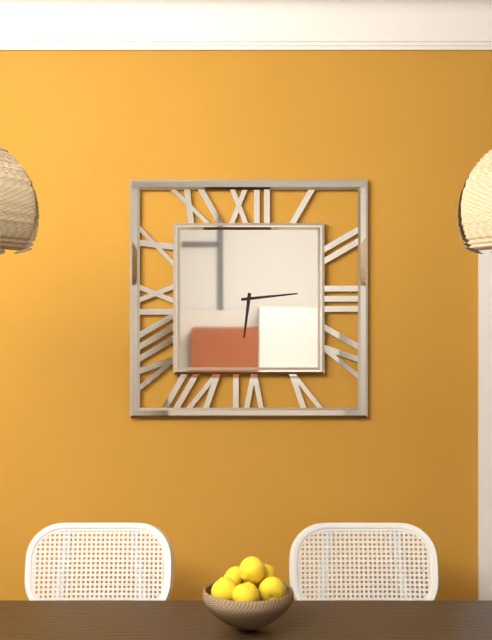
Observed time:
6:14
